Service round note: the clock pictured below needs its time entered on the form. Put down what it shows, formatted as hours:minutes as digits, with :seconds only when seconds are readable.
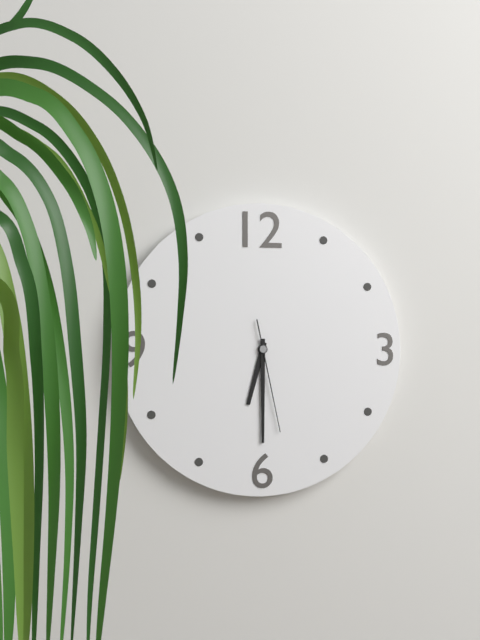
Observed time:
6:30:28
